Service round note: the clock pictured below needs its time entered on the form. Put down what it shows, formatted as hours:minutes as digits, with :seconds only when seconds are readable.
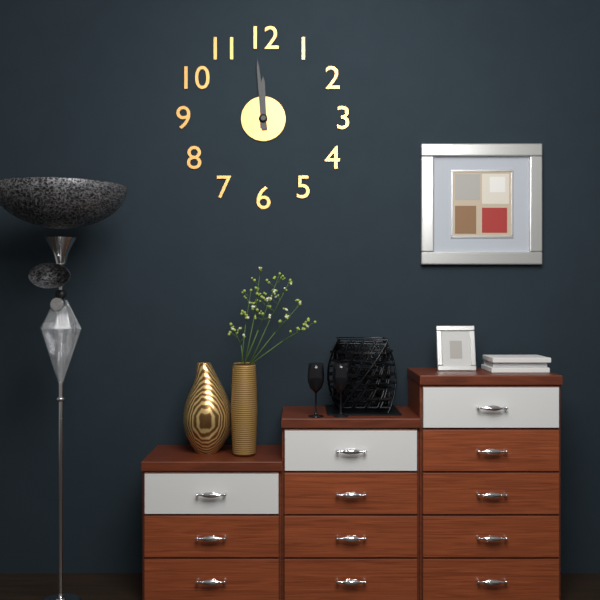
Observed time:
11:59
